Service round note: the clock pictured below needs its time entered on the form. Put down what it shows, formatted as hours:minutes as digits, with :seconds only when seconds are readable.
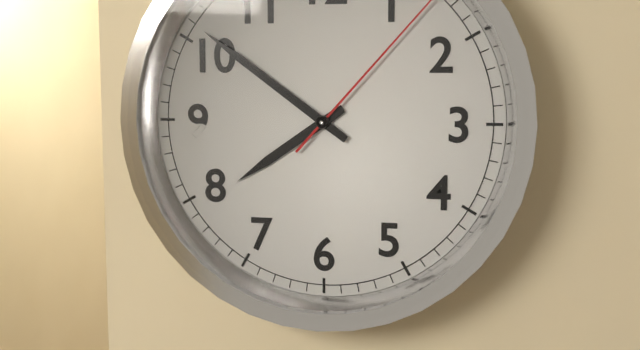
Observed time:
7:51
